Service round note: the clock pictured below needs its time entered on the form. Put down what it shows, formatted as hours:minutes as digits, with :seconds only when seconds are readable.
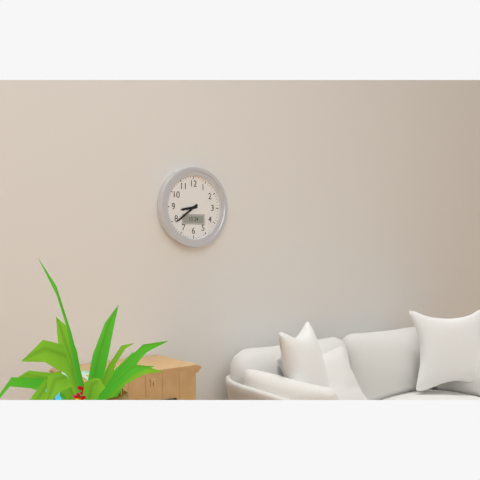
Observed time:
8:39
